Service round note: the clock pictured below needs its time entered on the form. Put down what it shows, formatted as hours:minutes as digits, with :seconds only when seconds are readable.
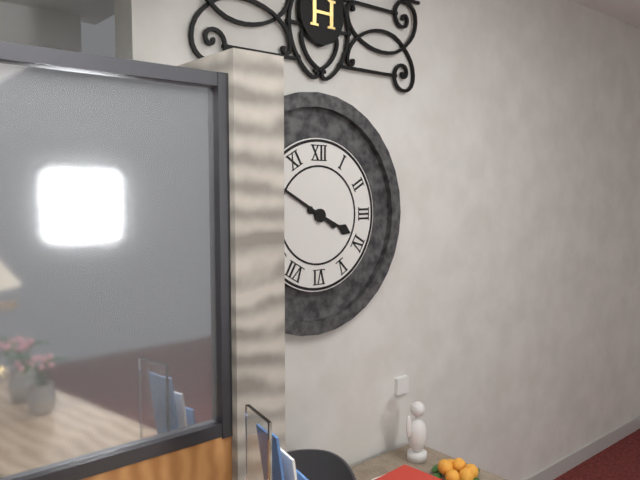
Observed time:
3:50
